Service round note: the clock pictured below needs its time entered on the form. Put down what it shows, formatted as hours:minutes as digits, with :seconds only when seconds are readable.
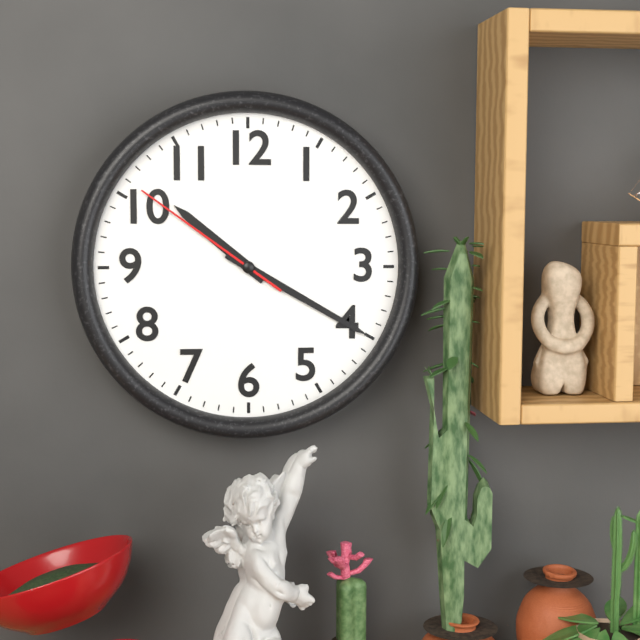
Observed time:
10:20:51
